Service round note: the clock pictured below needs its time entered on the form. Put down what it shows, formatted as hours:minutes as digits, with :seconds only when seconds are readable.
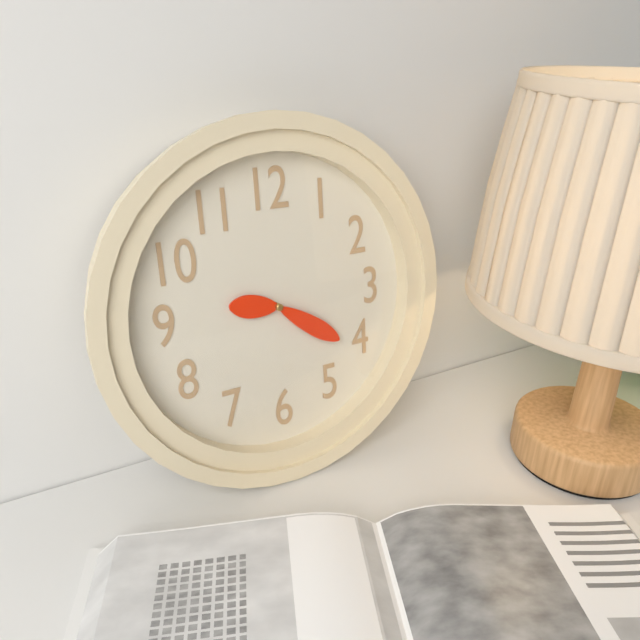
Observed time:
9:21
